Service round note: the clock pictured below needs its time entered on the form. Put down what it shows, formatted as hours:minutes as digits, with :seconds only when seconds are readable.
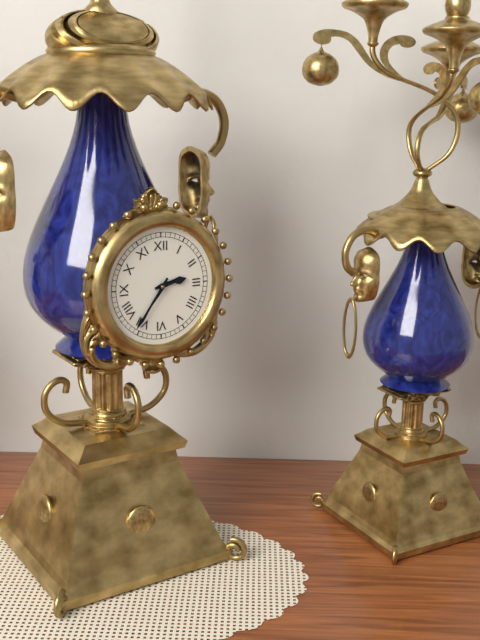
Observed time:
2:36
